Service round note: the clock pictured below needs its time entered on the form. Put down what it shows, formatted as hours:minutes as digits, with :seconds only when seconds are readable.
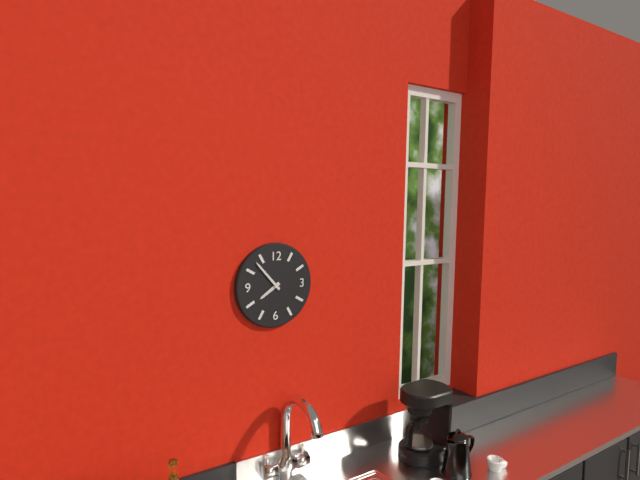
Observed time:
7:53
